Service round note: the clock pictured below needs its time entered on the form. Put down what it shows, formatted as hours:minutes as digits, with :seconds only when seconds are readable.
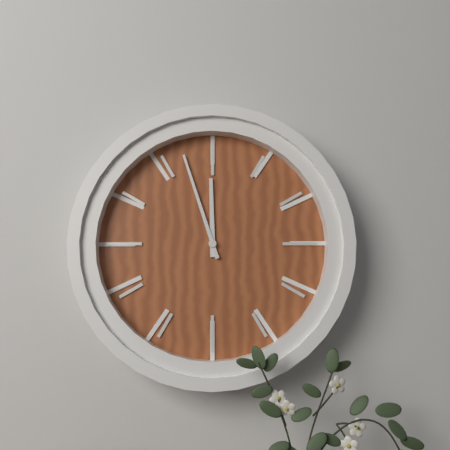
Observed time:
11:57
